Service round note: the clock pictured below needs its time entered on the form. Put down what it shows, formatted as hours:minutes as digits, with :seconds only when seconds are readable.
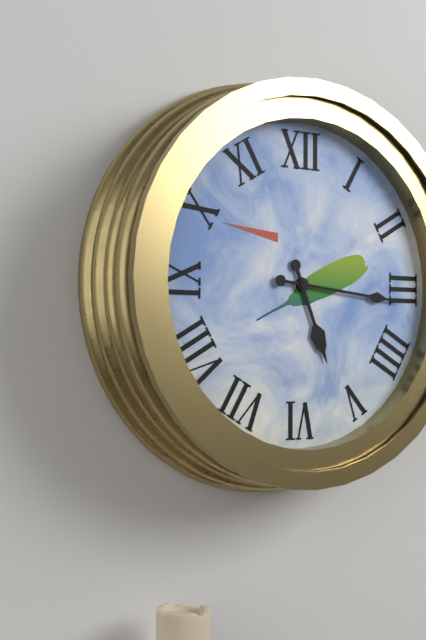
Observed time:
5:16
